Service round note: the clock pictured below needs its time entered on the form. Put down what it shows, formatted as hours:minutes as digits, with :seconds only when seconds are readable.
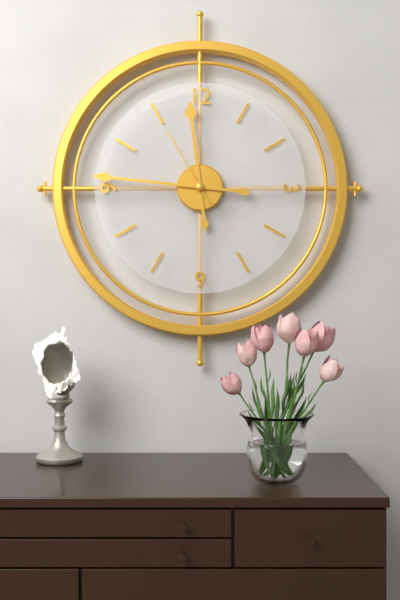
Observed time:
11:46:55
